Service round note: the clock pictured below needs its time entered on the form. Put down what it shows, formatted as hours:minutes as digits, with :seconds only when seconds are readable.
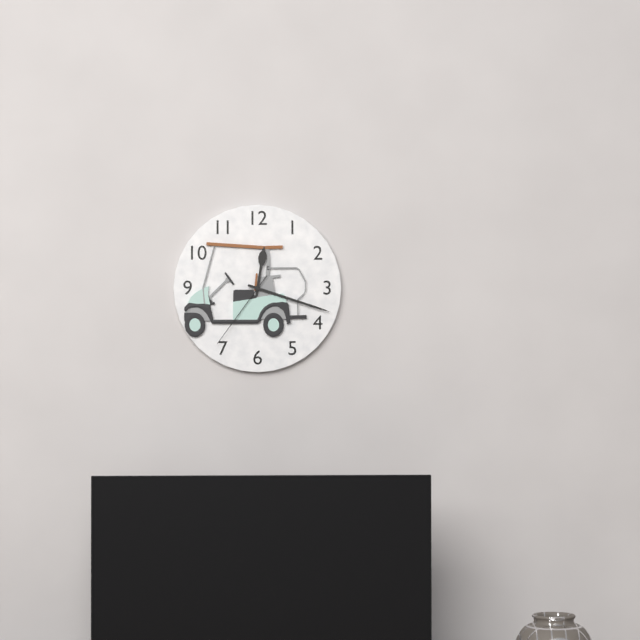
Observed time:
12:18:36
